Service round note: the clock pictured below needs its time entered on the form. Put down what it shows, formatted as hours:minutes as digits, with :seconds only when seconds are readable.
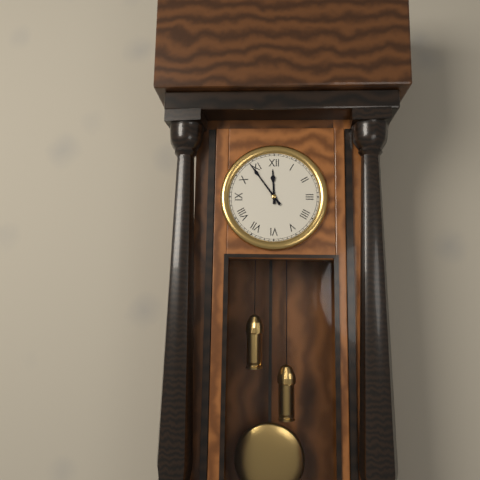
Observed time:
11:54
